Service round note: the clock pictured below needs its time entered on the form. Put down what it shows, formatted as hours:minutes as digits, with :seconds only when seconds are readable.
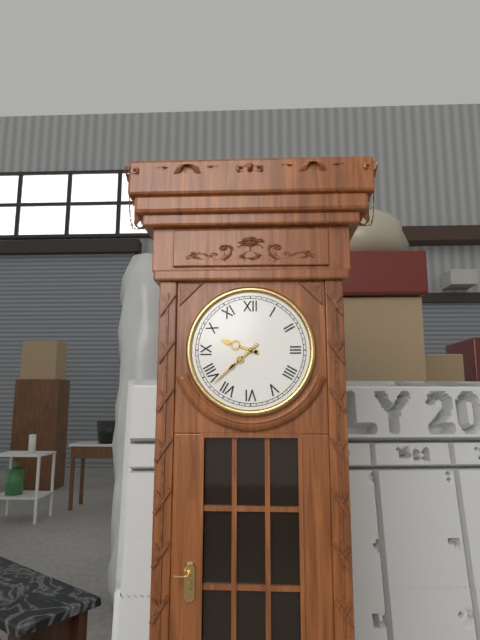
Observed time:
9:38
